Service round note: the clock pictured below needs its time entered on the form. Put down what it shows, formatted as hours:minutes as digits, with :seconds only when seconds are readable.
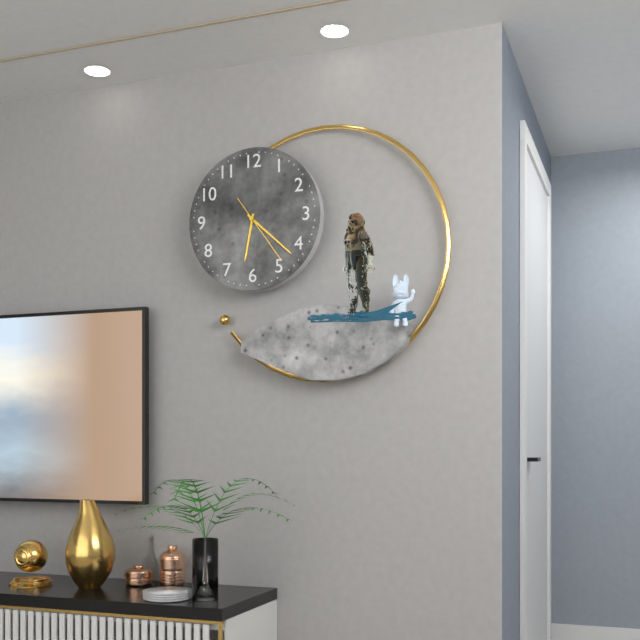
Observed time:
6:22:24
